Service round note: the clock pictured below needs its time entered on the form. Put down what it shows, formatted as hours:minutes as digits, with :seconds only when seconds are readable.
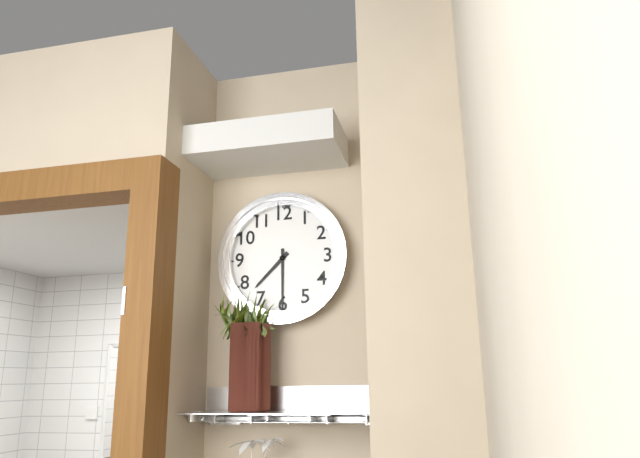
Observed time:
7:30
